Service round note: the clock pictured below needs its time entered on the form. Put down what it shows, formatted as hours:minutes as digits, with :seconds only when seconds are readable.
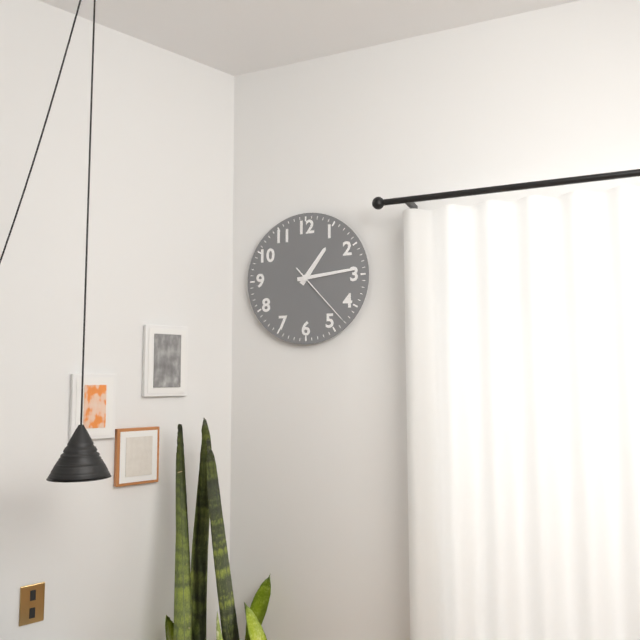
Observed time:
1:14:23
